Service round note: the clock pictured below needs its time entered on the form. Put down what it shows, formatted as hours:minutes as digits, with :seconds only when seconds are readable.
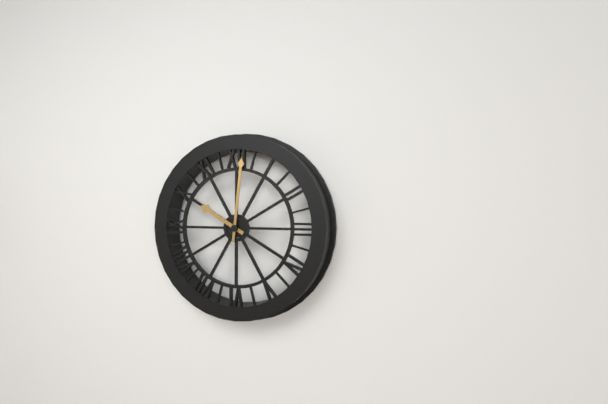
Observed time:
10:01
